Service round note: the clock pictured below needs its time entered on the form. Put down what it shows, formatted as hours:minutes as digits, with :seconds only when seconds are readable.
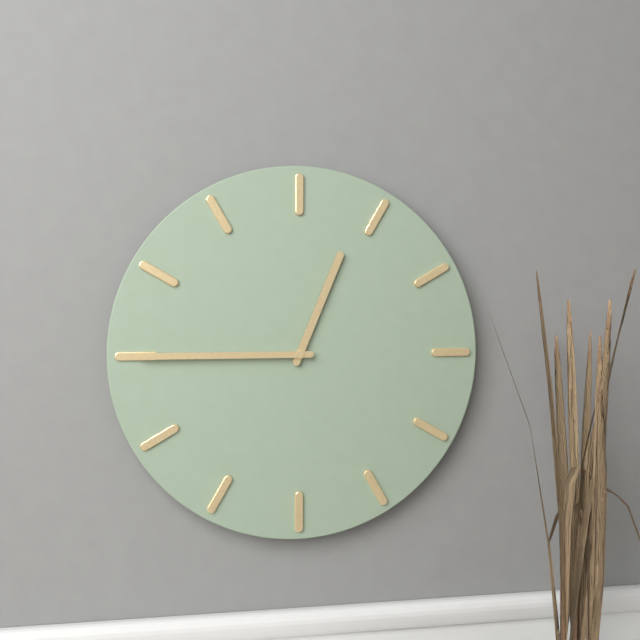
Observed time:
12:45
